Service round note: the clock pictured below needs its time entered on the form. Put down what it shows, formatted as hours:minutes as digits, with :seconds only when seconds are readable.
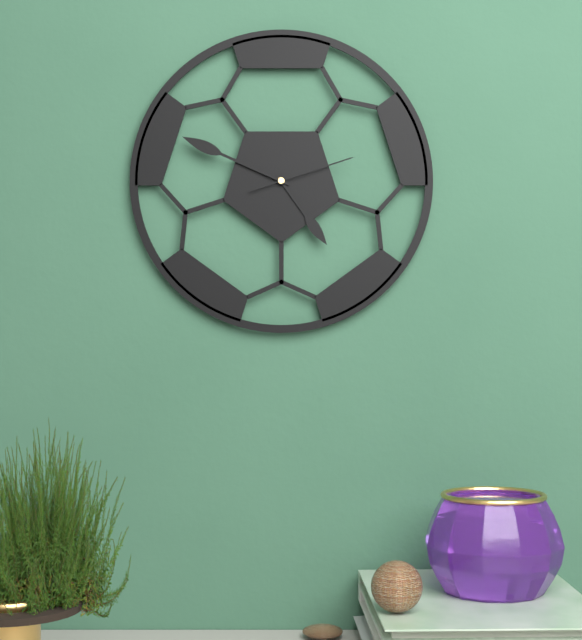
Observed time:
4:49:12
